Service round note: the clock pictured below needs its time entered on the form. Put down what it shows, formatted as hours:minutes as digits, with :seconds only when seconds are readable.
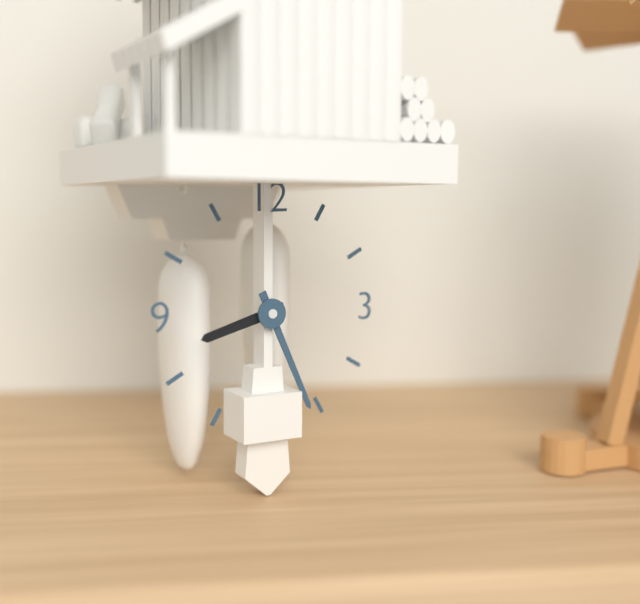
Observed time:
8:26
